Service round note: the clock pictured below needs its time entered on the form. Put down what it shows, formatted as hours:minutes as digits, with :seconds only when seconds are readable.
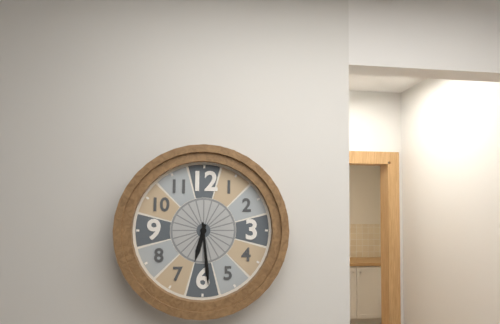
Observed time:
6:29
